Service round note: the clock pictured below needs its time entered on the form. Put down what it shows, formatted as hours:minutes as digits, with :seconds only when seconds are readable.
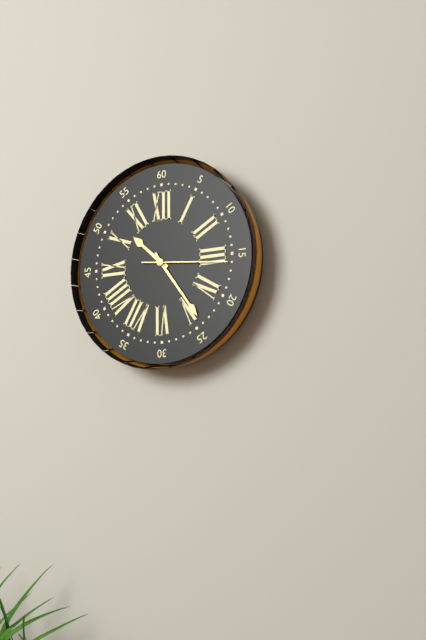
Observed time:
10:24:16
